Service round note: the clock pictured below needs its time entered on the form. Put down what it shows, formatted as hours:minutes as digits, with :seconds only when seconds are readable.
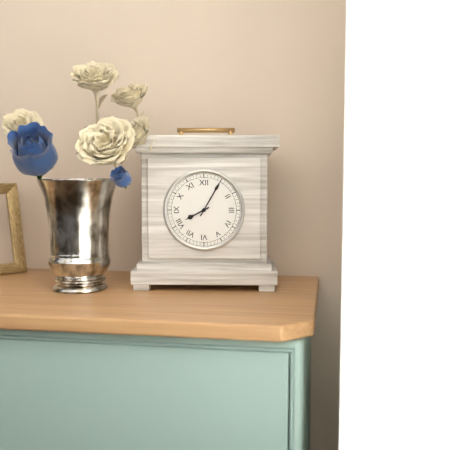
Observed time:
8:05
